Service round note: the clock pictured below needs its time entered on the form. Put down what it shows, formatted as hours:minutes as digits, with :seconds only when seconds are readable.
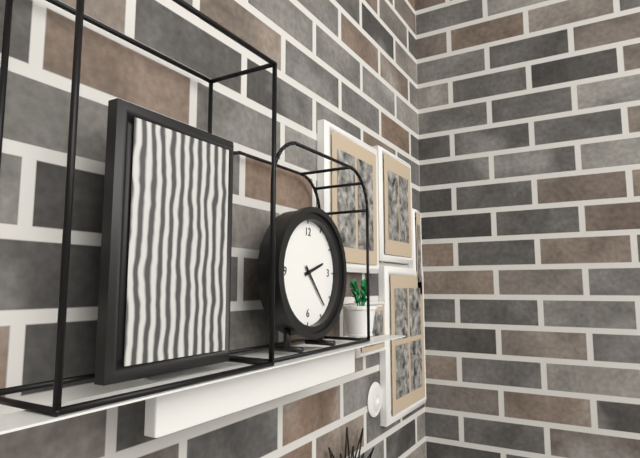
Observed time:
2:23
